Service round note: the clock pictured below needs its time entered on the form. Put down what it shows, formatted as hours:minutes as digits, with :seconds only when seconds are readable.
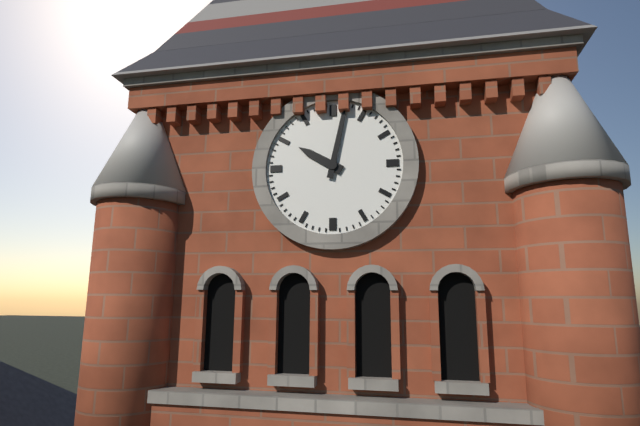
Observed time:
10:02
